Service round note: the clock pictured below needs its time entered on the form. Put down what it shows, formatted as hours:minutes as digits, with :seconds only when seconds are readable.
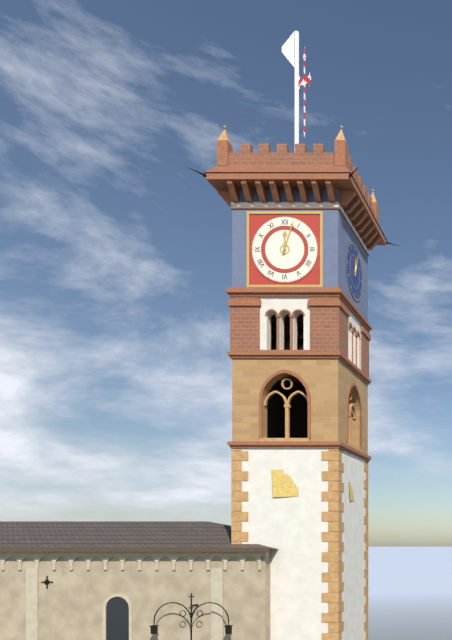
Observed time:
12:03
